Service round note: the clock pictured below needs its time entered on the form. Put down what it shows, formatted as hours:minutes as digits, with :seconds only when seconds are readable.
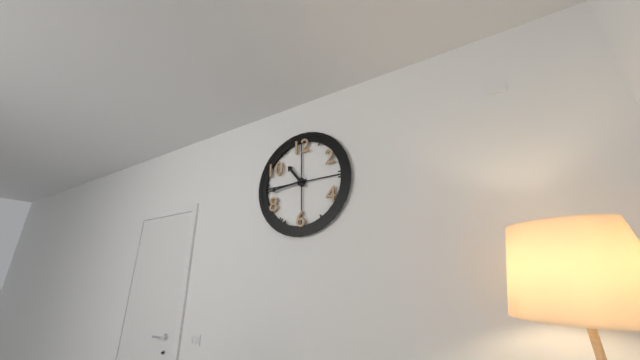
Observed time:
10:44
